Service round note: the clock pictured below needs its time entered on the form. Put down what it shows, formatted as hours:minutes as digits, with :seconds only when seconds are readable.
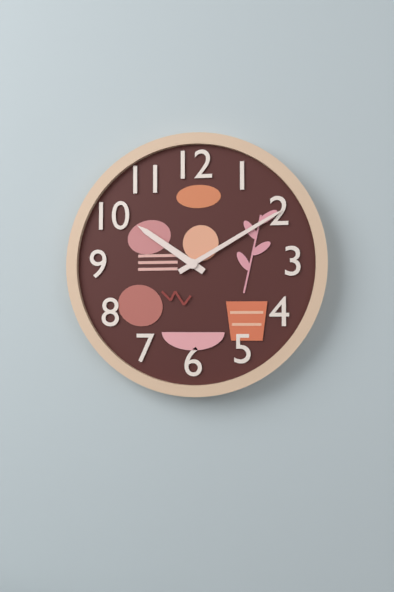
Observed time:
10:10
